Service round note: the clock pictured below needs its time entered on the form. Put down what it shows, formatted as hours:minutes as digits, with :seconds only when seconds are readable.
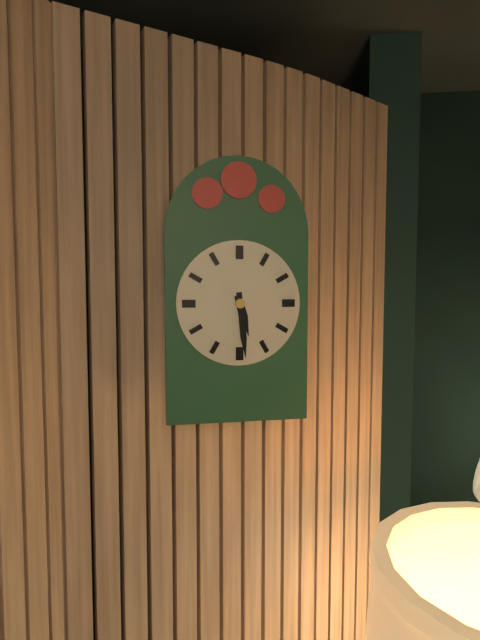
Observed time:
5:29
